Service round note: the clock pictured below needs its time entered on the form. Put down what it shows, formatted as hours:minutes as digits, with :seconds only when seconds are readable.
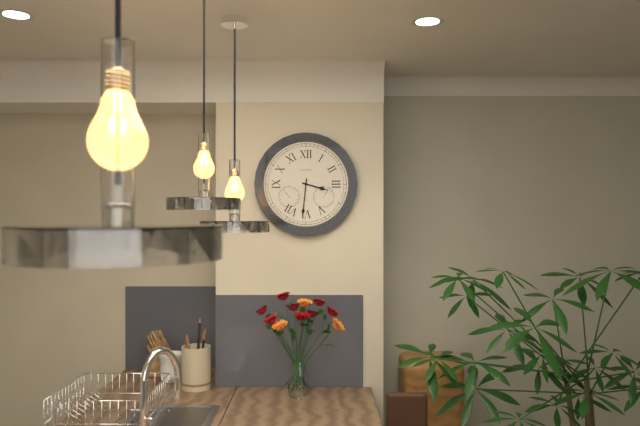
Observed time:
3:31
